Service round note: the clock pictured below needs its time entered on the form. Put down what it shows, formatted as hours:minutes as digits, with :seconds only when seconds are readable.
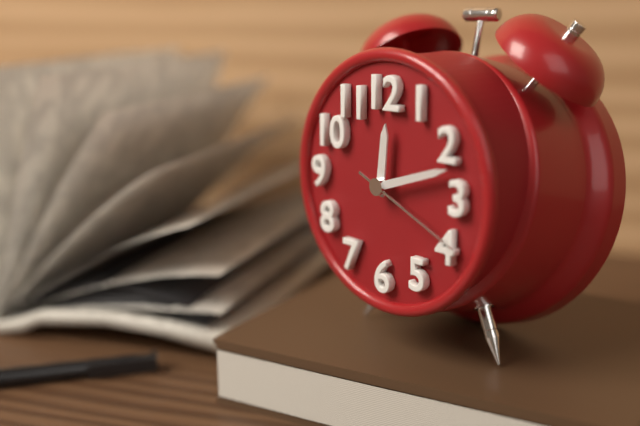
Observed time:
12:12:19
